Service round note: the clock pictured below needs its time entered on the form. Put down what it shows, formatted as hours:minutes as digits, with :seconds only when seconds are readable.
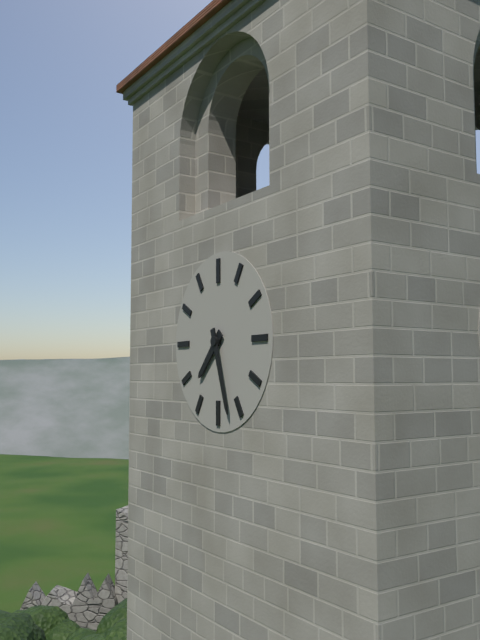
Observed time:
7:27
